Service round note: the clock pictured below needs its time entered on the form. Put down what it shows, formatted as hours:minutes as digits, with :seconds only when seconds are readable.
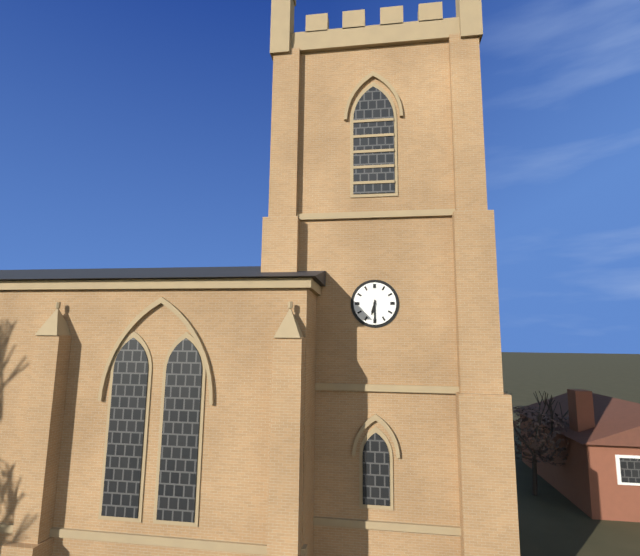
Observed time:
6:30
